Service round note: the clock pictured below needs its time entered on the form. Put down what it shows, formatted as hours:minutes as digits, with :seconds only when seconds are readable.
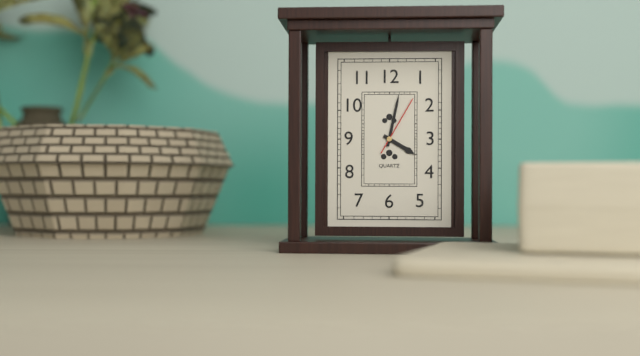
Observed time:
4:02:05
